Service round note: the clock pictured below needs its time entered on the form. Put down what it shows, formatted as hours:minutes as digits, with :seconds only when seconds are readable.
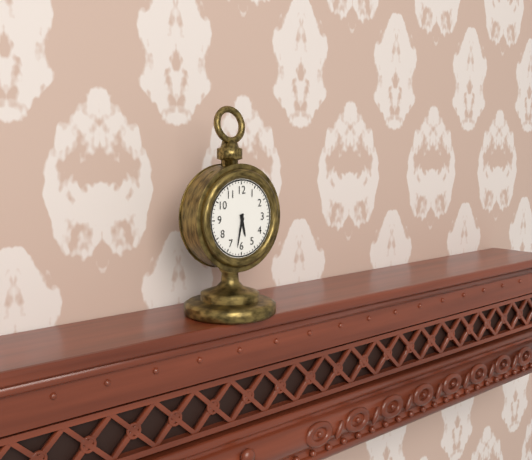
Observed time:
5:32
